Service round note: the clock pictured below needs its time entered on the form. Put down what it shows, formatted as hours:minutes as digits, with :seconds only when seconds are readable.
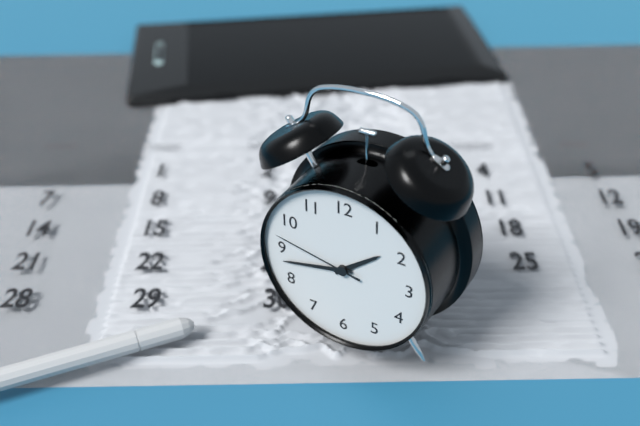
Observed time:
1:43:47
